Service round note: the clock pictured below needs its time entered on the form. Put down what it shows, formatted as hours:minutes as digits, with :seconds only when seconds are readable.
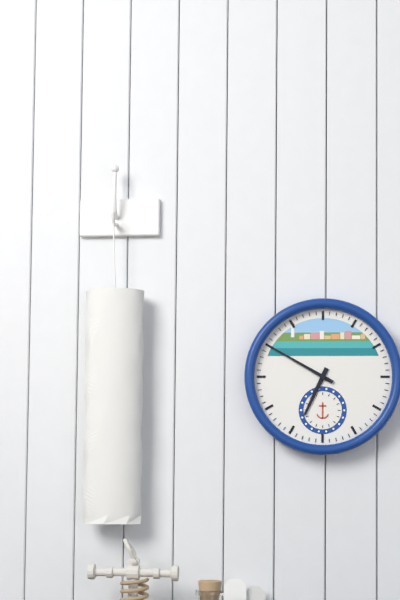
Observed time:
6:50
